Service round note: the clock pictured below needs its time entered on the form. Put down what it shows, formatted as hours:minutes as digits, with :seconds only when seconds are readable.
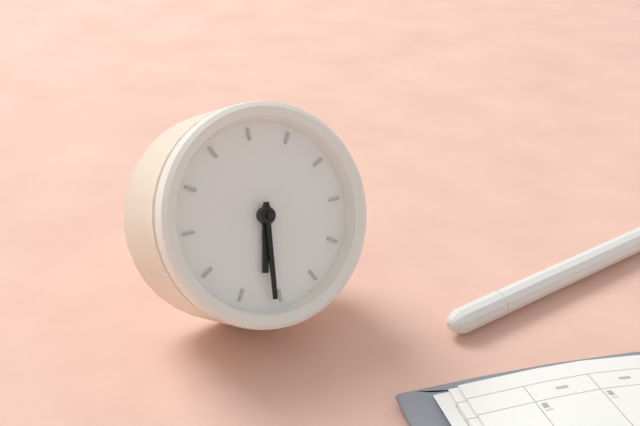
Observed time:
5:26
